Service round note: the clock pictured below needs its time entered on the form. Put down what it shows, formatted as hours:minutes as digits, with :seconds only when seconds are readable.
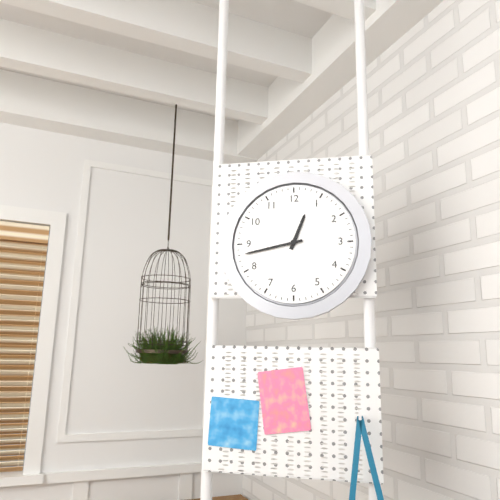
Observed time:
12:43
